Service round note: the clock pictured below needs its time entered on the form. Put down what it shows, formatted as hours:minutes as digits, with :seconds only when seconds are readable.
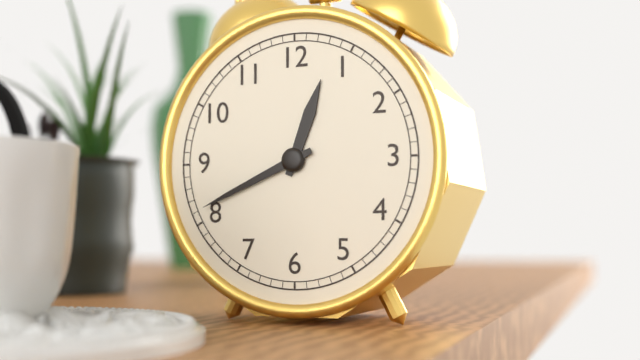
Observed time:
12:41
